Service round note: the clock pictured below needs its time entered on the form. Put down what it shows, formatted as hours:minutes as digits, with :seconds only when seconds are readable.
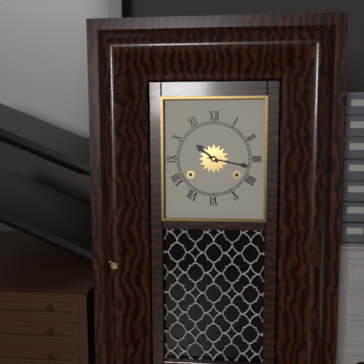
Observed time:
10:17
